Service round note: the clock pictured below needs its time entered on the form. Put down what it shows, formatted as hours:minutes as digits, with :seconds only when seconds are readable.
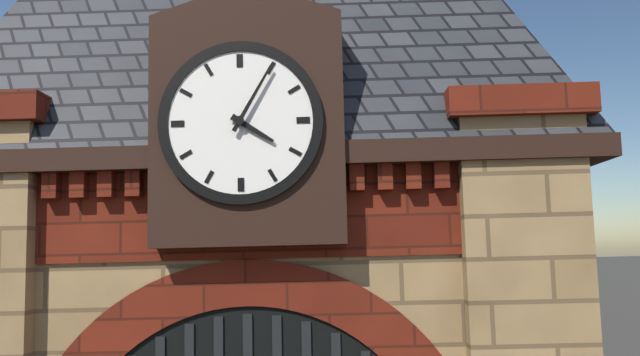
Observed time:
4:05
